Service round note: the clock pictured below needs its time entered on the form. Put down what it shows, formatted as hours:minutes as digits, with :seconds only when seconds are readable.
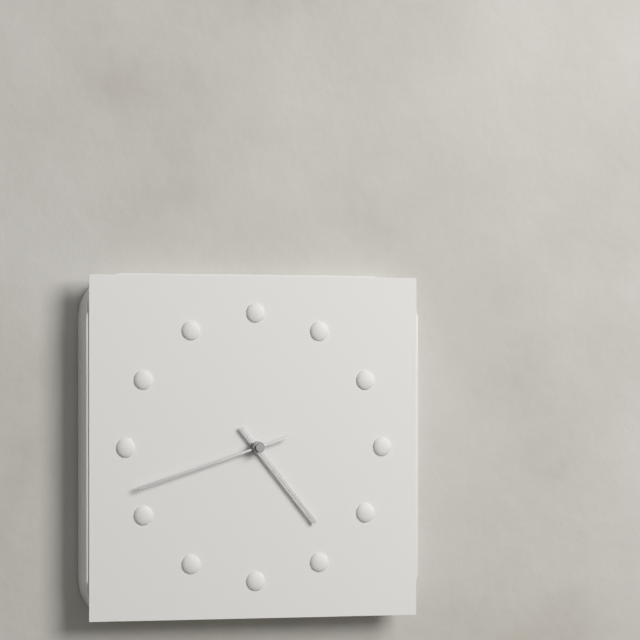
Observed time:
4:42
